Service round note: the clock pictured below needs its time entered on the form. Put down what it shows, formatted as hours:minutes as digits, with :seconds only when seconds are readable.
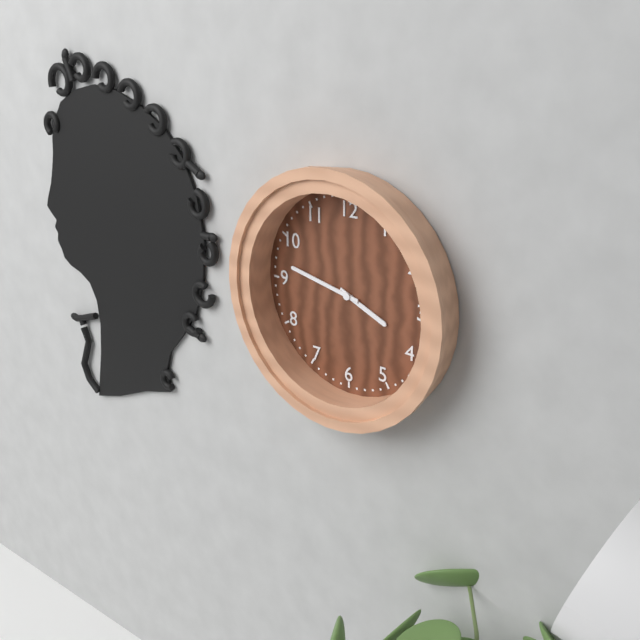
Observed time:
3:47
